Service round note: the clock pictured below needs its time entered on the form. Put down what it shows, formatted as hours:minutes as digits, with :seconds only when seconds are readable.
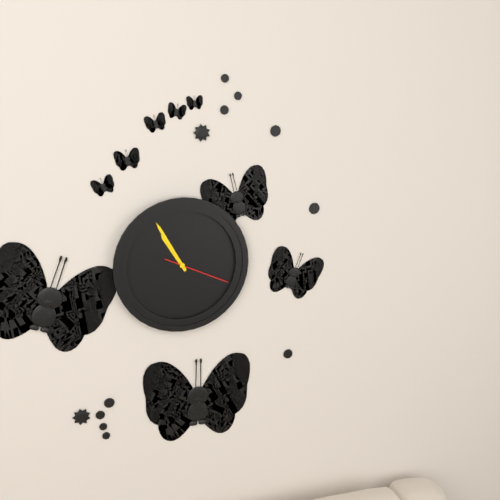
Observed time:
10:55:19
